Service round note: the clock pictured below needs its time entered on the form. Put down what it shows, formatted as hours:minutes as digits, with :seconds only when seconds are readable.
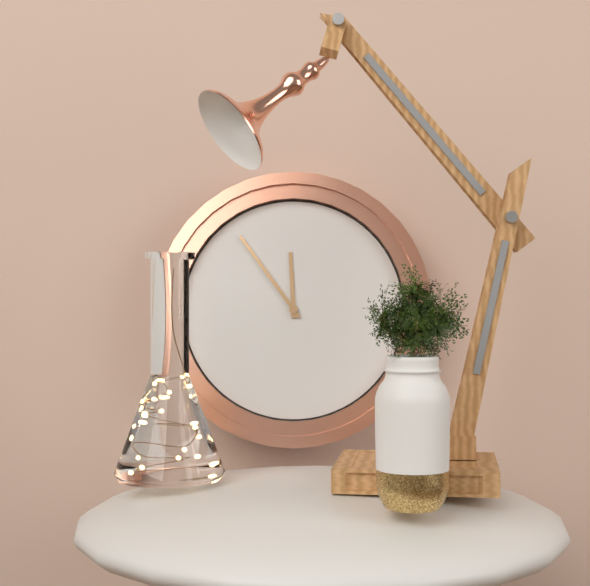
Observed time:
11:54
